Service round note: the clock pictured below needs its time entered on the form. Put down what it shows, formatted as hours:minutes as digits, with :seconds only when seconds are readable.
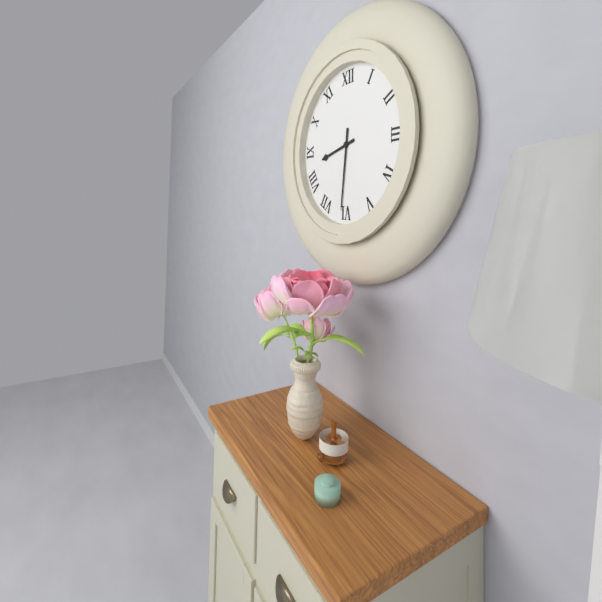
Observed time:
8:31
